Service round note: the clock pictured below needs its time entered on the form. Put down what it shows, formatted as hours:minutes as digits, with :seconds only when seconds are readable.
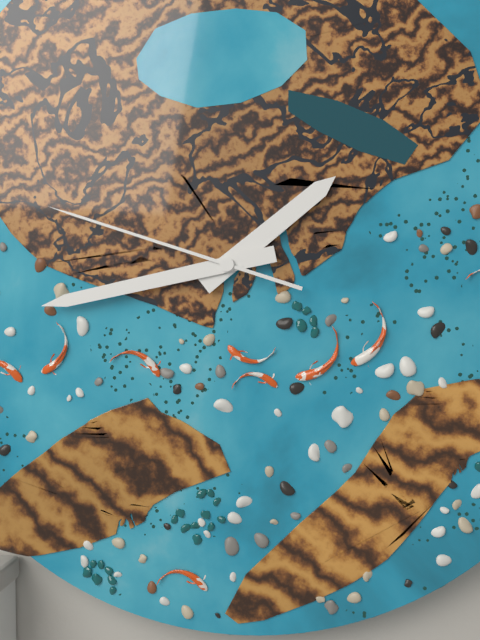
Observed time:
1:43:48
